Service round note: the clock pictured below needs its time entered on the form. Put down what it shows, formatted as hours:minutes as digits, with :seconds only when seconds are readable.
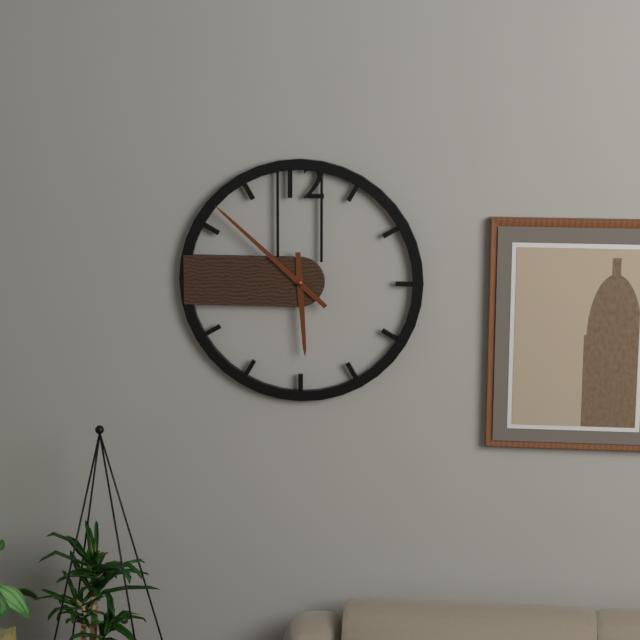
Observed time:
5:52
